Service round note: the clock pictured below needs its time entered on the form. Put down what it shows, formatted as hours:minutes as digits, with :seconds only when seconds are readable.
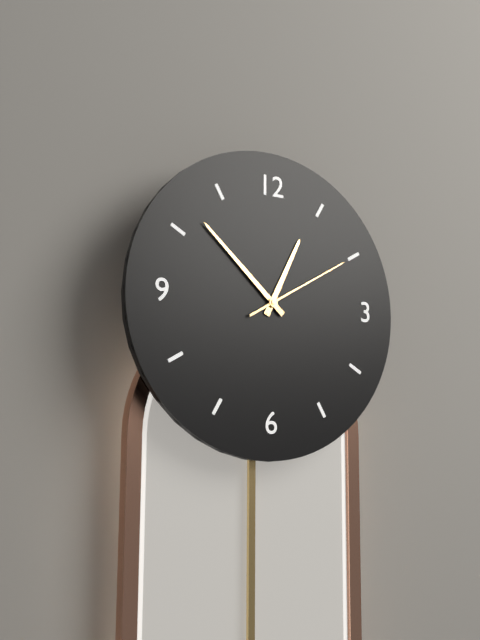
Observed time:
12:52:10
